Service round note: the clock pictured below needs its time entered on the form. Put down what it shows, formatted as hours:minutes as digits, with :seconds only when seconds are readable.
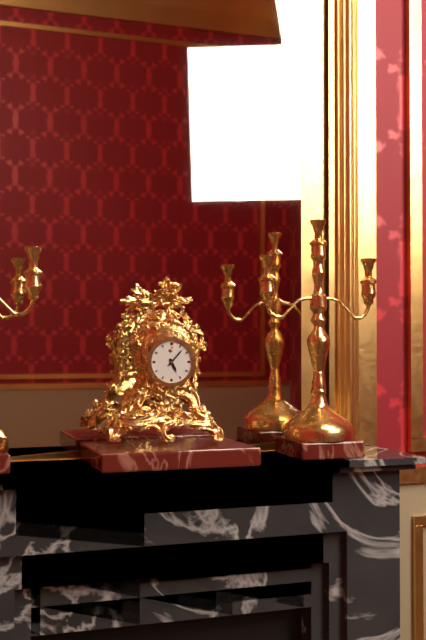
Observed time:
5:07
